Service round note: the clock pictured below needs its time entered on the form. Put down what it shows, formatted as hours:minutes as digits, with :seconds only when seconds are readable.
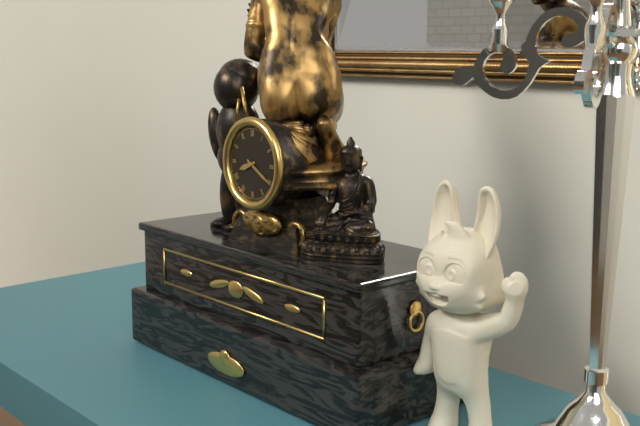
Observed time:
8:20
